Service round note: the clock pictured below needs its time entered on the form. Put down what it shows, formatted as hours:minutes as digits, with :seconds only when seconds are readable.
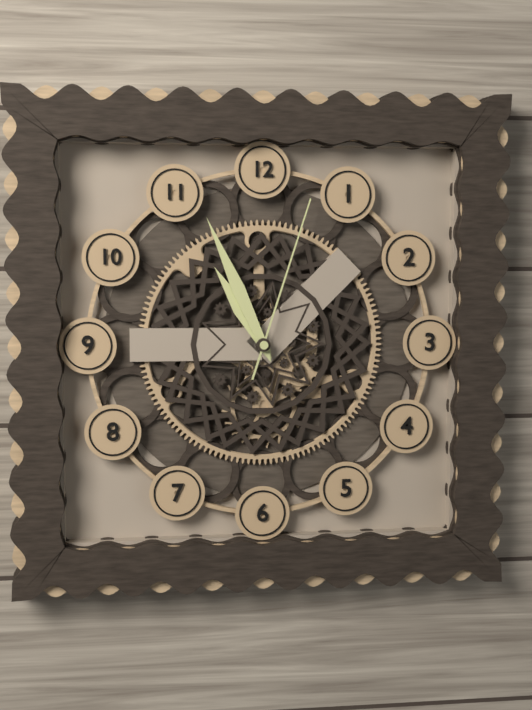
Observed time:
10:56:03
